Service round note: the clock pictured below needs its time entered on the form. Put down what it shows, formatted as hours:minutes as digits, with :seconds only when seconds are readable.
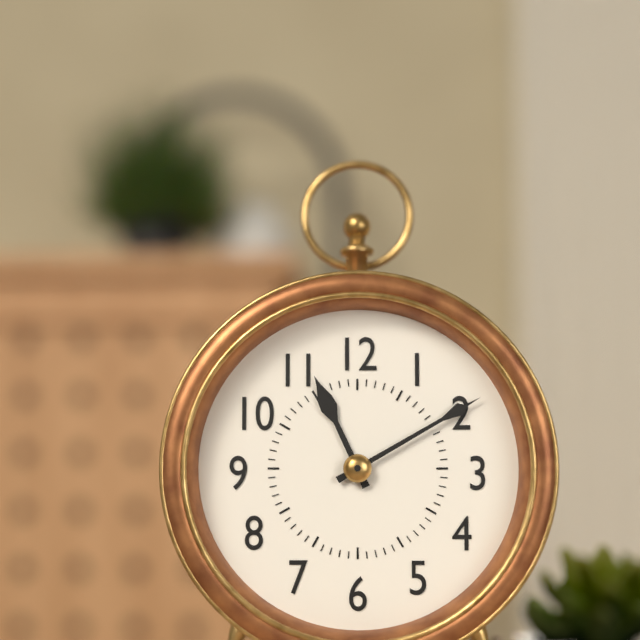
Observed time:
11:10
